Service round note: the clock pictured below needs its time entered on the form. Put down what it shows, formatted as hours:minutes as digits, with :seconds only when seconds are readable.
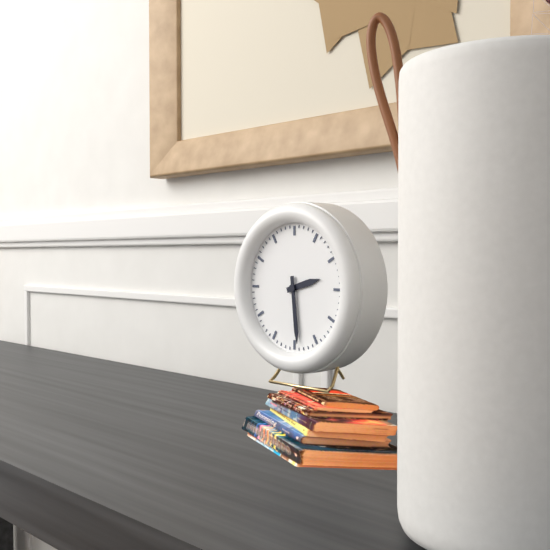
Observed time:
2:29
